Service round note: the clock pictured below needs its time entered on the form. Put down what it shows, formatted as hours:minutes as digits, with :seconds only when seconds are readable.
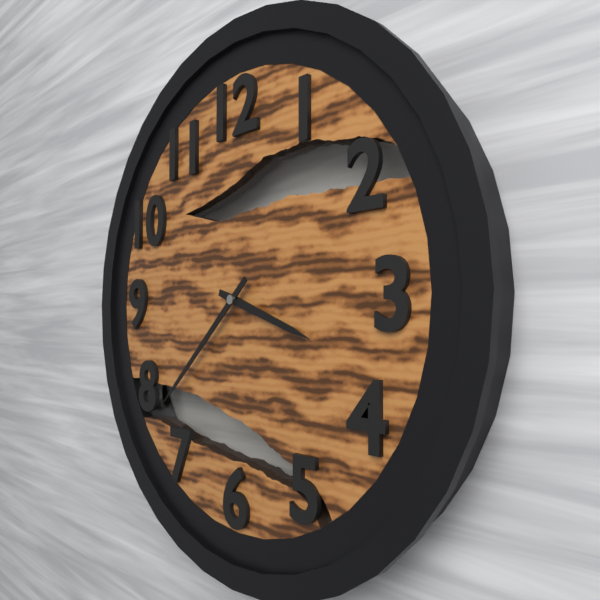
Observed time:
3:38
